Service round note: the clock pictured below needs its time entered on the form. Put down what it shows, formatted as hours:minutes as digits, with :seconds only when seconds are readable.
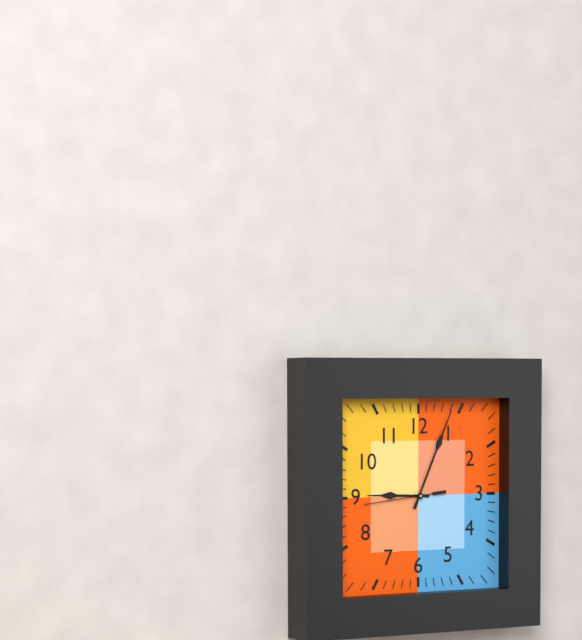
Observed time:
9:04:44
